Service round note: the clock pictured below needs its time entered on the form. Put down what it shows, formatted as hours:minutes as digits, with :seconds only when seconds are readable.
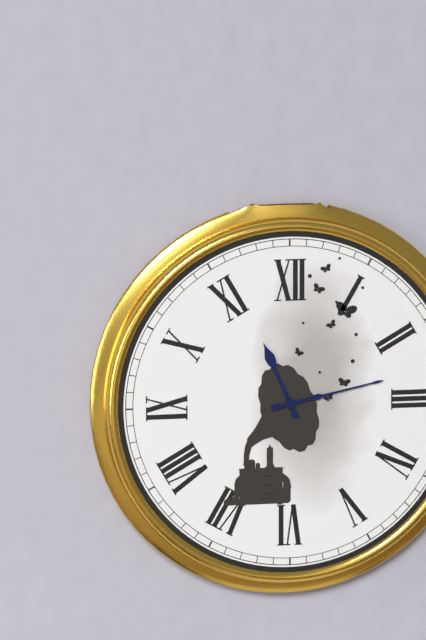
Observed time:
11:13
